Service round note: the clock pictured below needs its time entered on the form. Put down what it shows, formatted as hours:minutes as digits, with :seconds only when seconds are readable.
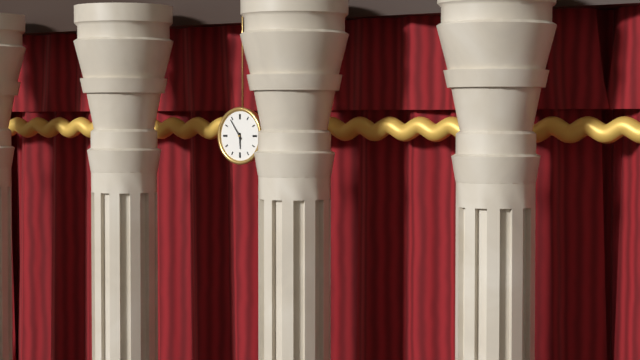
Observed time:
5:54
